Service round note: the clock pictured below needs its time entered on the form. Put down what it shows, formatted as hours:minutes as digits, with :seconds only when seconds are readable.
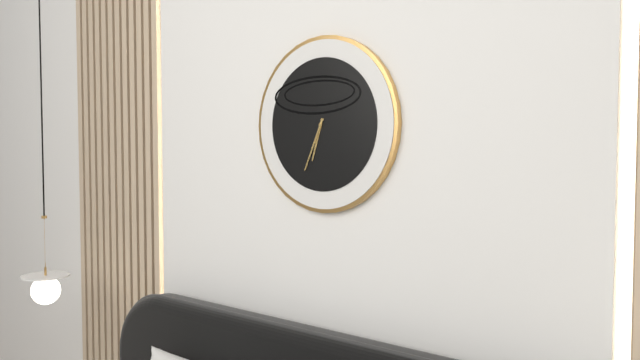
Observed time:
6:34
